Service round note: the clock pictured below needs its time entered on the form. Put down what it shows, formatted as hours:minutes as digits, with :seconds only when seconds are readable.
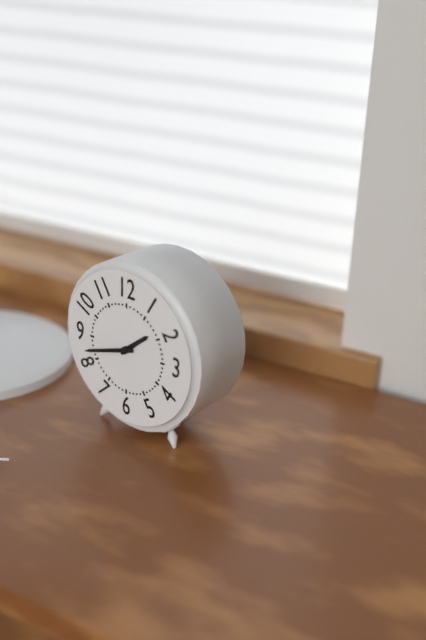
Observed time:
1:42
